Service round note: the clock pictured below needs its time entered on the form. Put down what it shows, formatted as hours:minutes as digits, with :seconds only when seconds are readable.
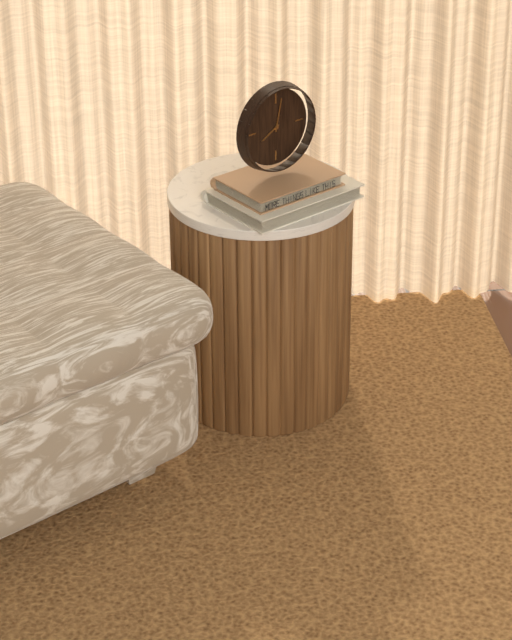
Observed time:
8:02
